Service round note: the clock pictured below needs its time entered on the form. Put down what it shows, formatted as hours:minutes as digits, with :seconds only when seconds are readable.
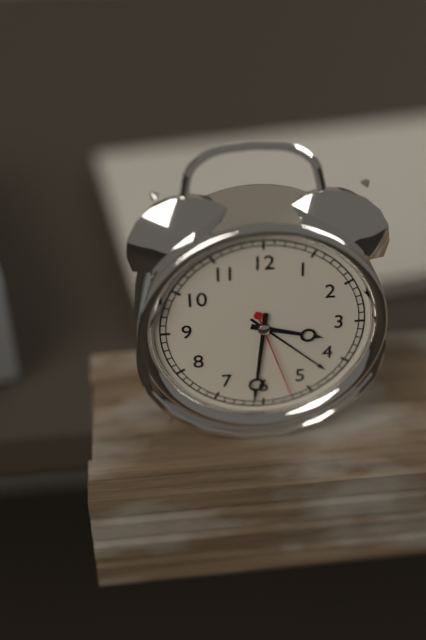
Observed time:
3:31:27
